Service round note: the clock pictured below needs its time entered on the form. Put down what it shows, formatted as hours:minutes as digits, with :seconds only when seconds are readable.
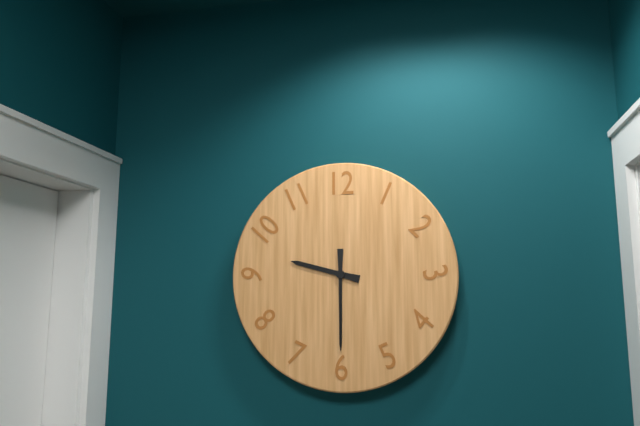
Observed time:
9:30
